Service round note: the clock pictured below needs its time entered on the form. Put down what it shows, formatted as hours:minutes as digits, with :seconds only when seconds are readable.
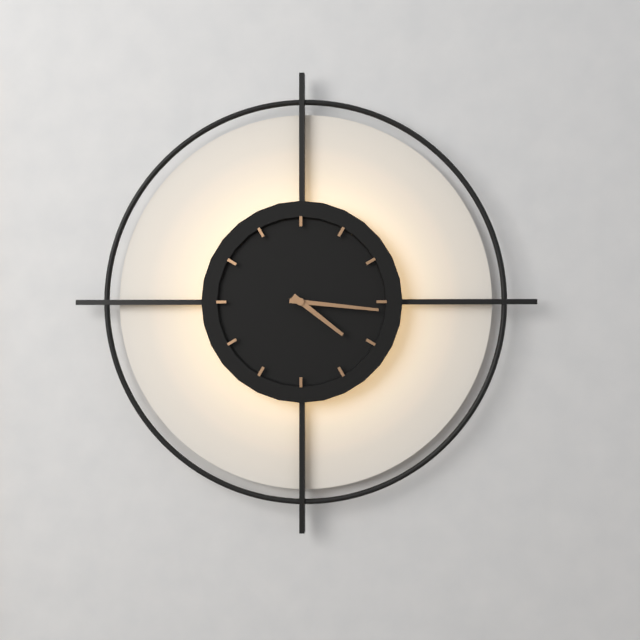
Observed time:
4:16
